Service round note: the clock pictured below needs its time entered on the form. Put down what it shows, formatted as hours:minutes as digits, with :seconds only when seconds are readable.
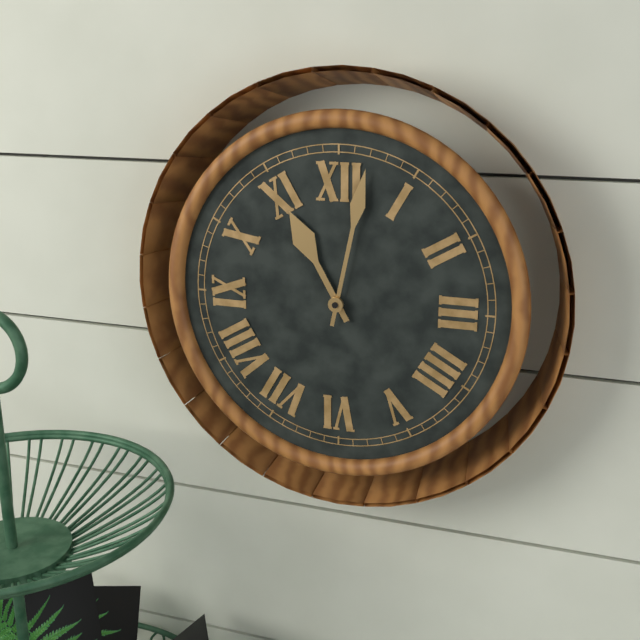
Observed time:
11:02
